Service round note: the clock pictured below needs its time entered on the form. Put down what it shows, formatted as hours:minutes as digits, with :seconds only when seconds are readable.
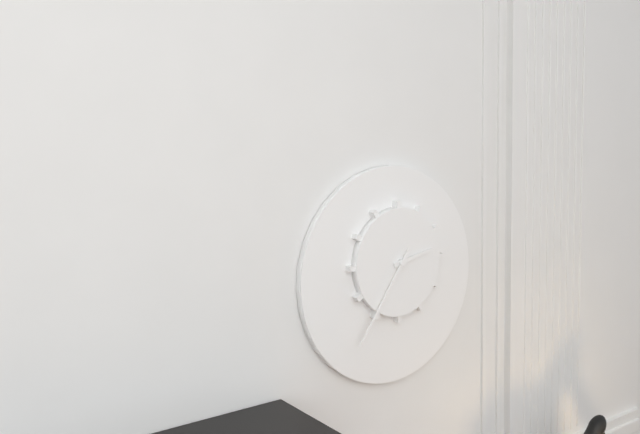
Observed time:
2:36
